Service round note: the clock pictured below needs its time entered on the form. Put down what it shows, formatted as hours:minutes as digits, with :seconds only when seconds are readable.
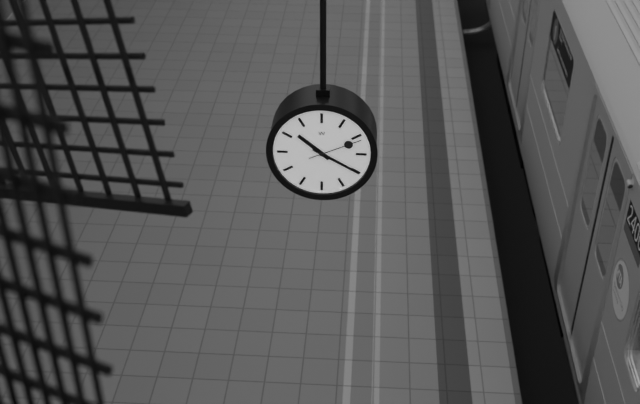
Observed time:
10:20:11
